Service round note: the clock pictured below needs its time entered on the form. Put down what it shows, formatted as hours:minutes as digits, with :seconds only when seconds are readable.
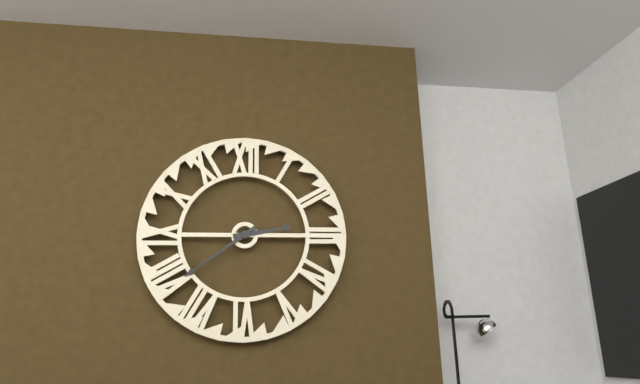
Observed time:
2:39
